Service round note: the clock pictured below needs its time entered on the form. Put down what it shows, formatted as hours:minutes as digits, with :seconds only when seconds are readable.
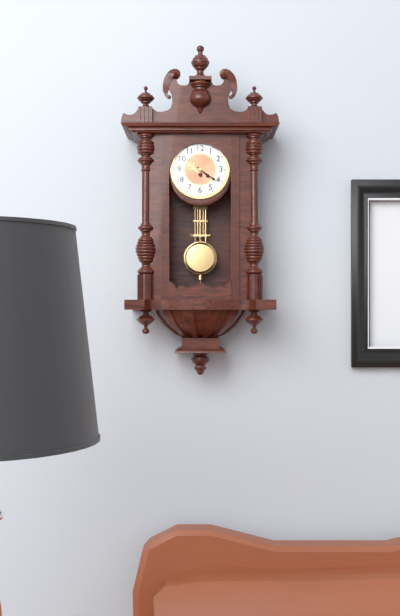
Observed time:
4:21
